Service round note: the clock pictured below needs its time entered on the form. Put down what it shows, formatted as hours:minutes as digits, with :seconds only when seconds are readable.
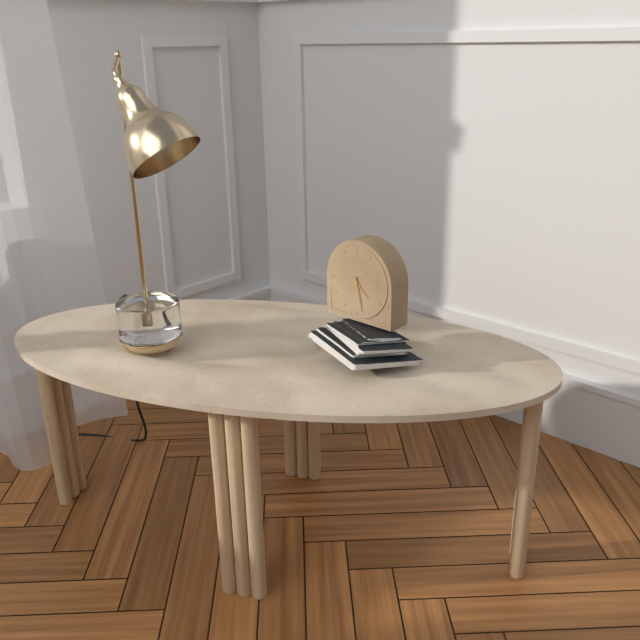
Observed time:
4:28
